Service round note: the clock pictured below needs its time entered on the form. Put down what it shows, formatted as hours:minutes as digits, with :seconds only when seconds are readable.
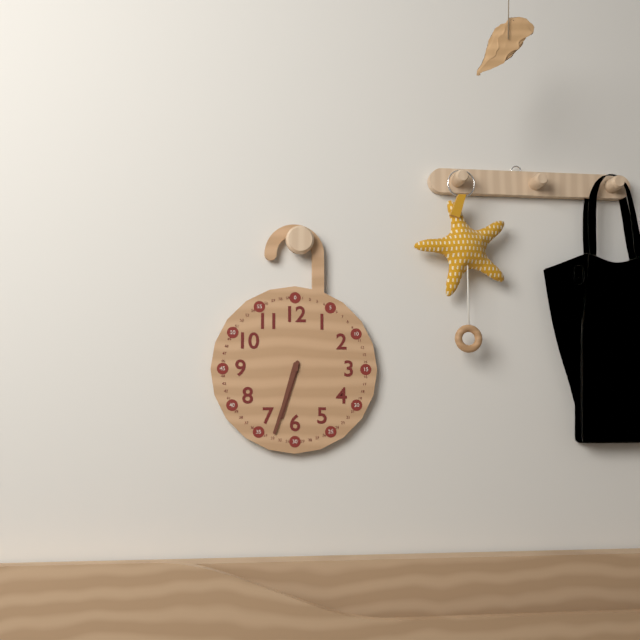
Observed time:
6:33
